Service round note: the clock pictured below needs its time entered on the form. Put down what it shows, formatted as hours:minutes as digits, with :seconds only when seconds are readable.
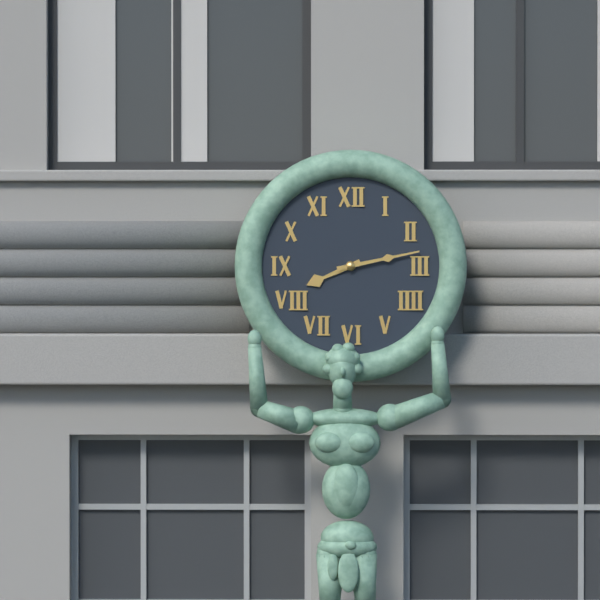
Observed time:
8:13
